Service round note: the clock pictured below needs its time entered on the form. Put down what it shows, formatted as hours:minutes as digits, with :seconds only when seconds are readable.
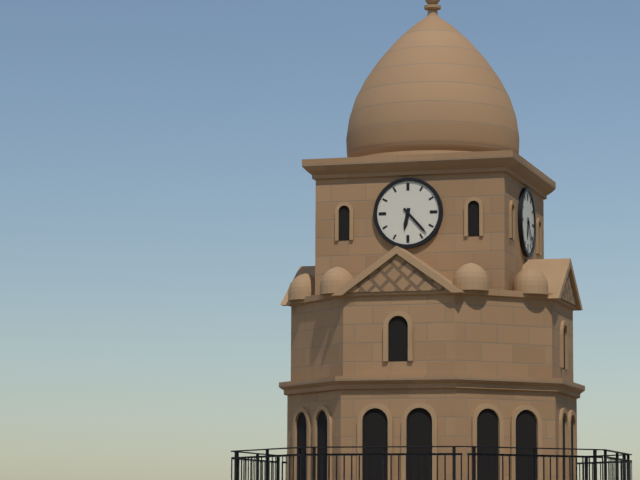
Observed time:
6:23
